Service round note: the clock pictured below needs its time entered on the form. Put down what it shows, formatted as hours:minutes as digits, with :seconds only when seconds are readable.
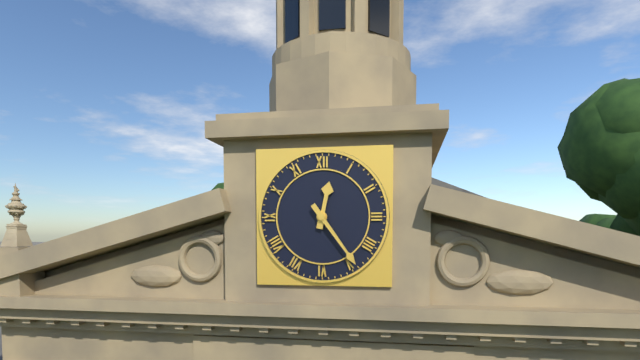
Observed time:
12:24
